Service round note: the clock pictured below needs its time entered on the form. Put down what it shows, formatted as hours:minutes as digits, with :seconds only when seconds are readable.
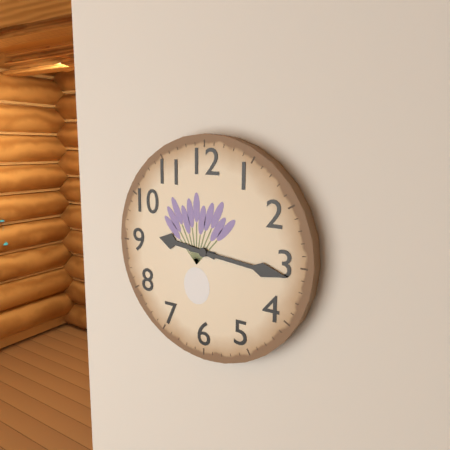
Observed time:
9:16
